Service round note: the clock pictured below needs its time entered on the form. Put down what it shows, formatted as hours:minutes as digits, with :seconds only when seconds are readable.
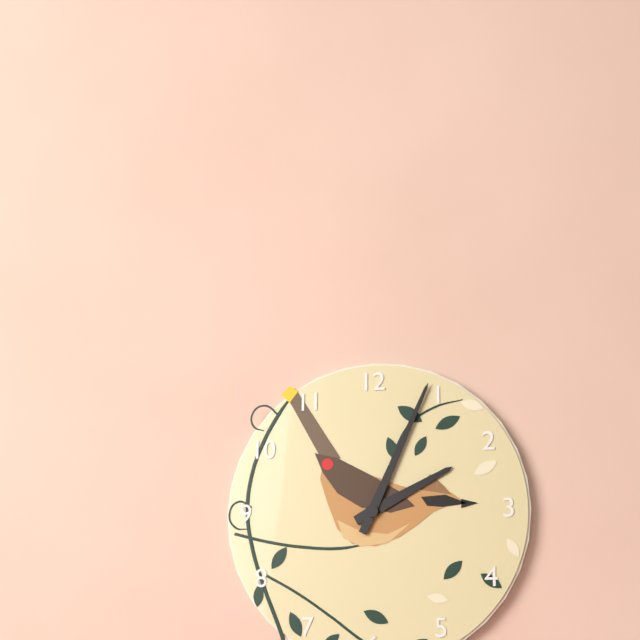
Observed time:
2:04
